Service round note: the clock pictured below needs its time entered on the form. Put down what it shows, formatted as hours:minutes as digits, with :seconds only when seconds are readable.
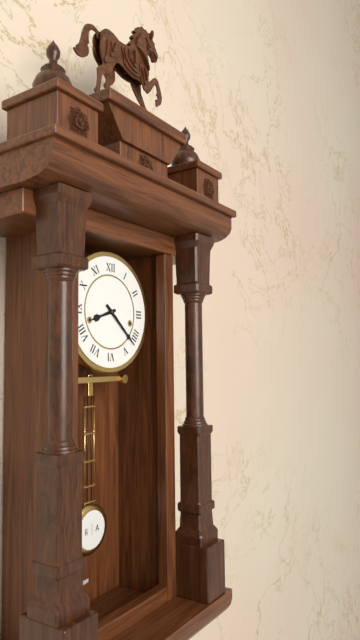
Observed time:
8:22
